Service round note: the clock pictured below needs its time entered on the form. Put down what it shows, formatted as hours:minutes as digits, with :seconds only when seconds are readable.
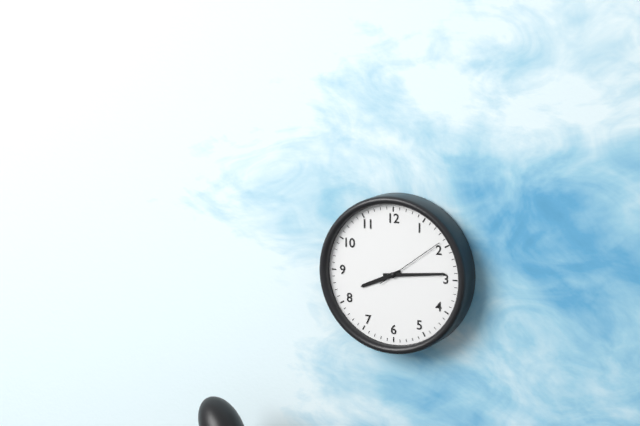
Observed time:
8:14:09
